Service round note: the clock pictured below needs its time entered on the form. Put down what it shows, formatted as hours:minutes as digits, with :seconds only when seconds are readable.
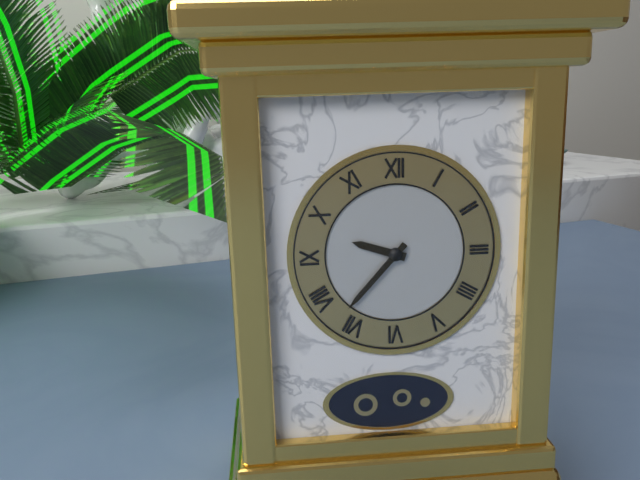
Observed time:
9:37
